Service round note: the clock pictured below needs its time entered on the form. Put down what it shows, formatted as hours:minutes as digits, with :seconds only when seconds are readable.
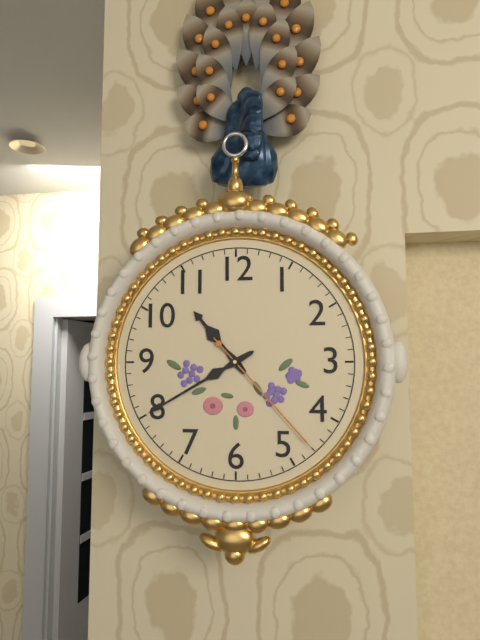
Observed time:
10:40:23
